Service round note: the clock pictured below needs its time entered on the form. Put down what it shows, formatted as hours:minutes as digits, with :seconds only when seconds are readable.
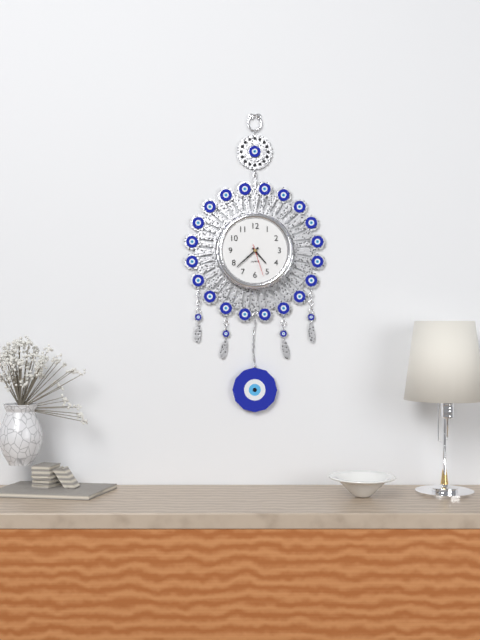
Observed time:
4:38
